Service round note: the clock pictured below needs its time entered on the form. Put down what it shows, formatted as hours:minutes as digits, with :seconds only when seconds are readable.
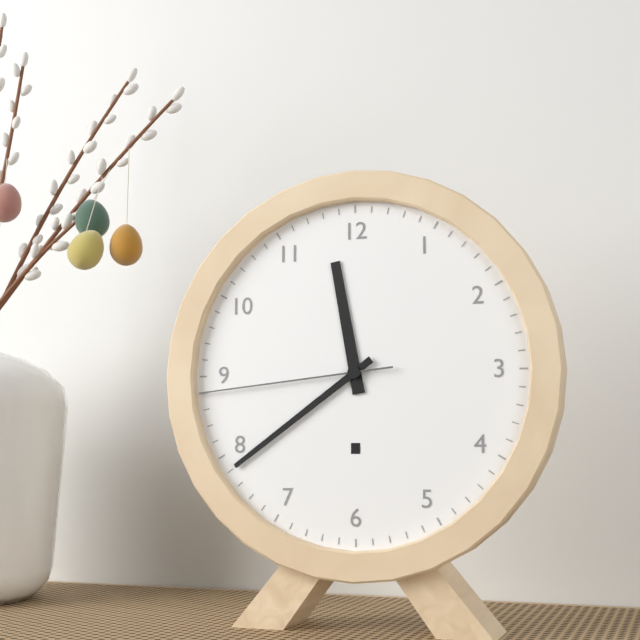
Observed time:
11:39:44
